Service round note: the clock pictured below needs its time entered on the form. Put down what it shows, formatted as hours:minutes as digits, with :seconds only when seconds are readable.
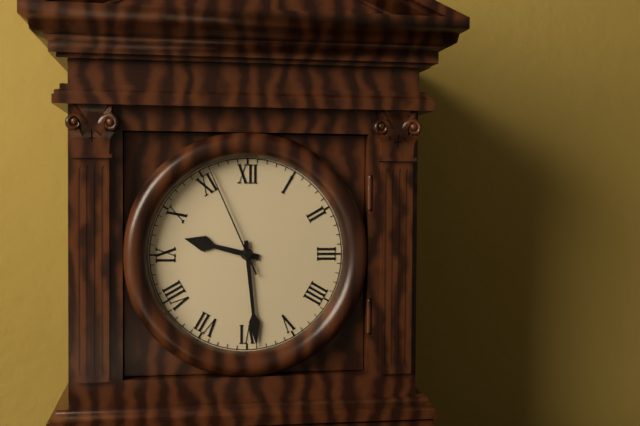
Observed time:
9:29:56
